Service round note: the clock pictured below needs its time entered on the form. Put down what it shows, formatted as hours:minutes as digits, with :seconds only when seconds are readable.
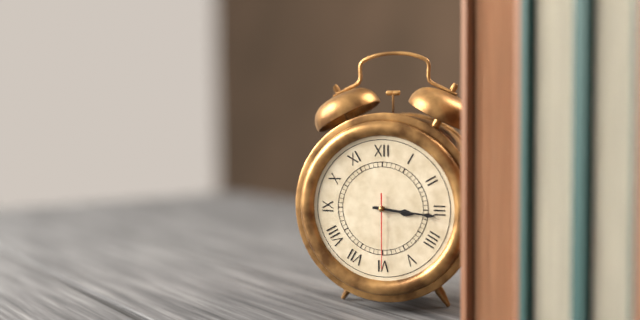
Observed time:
3:16:30
